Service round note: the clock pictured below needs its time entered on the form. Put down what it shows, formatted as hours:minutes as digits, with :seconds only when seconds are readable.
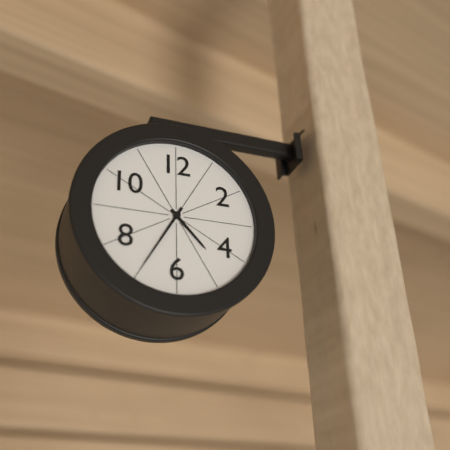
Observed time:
4:35
